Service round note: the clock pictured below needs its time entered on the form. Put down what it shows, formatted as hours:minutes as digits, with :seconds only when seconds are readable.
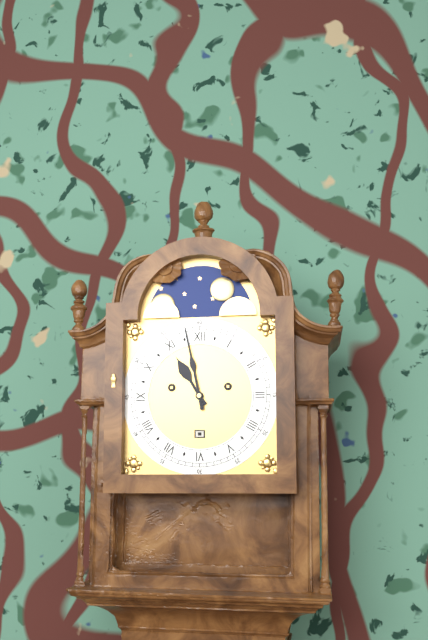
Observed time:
10:58
